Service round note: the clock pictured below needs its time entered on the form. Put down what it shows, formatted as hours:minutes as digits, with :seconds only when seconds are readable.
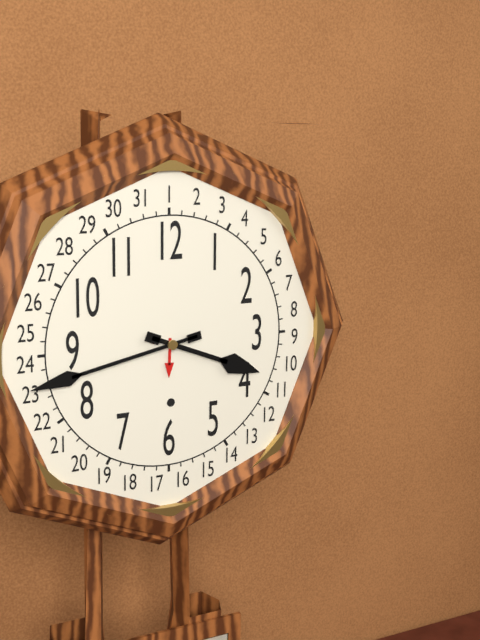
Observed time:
3:43
